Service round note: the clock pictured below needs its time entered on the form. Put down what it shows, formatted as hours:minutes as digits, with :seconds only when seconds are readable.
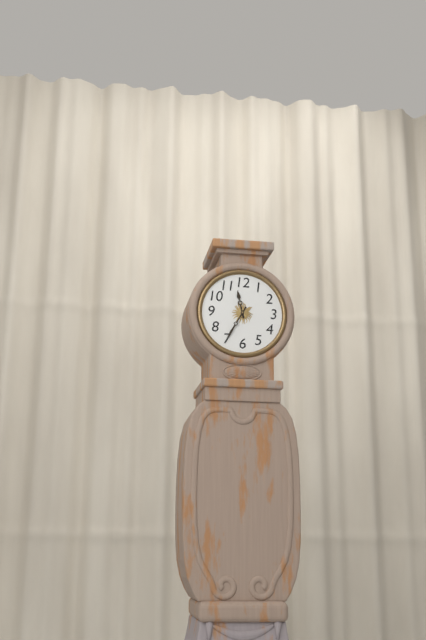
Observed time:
11:35
